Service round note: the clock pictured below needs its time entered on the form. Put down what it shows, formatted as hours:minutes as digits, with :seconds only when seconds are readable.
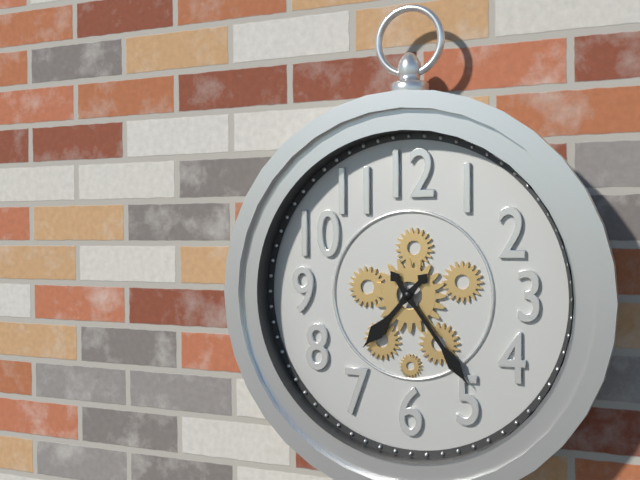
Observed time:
7:24
